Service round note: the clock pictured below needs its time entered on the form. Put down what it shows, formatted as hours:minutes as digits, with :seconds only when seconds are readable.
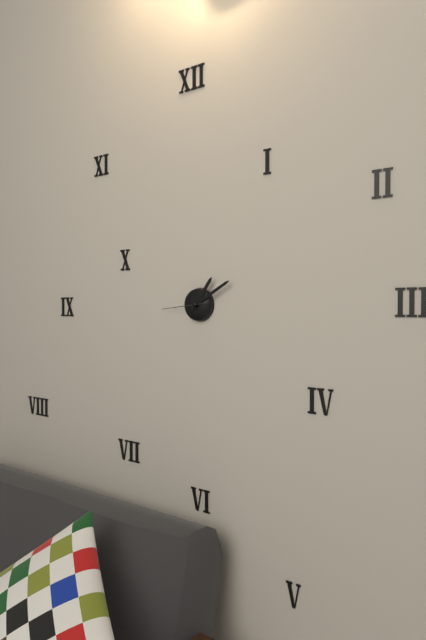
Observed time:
1:10
